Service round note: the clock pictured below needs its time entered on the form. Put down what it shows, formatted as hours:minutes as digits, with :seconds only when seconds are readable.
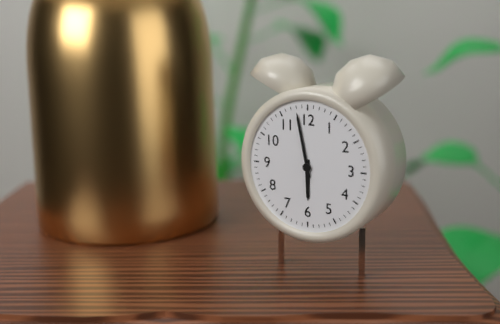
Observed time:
5:58
